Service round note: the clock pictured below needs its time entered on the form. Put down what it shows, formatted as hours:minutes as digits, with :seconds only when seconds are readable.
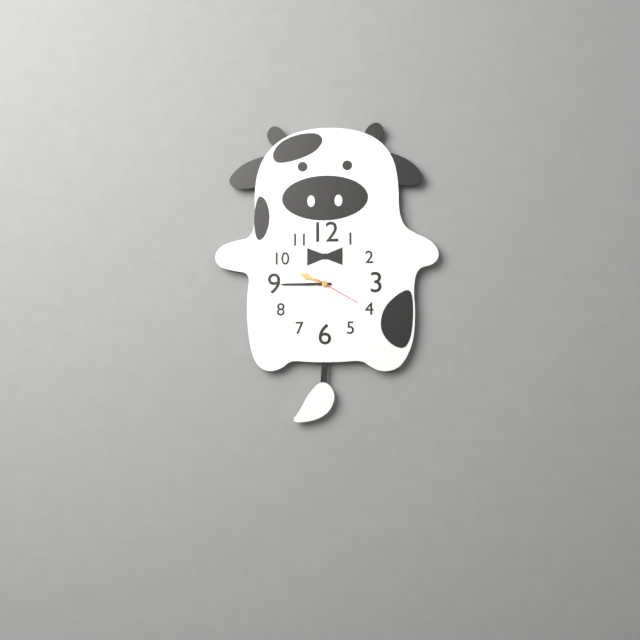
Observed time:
9:45
